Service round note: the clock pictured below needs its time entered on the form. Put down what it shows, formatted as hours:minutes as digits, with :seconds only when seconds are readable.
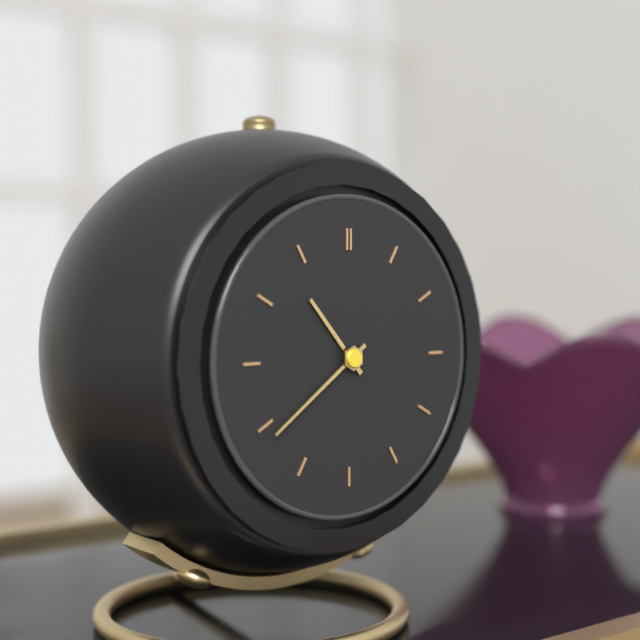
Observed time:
10:39
